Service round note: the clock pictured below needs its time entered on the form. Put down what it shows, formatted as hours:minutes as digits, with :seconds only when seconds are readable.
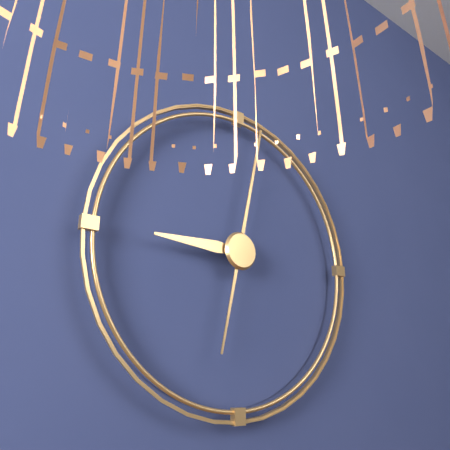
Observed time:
9:02
